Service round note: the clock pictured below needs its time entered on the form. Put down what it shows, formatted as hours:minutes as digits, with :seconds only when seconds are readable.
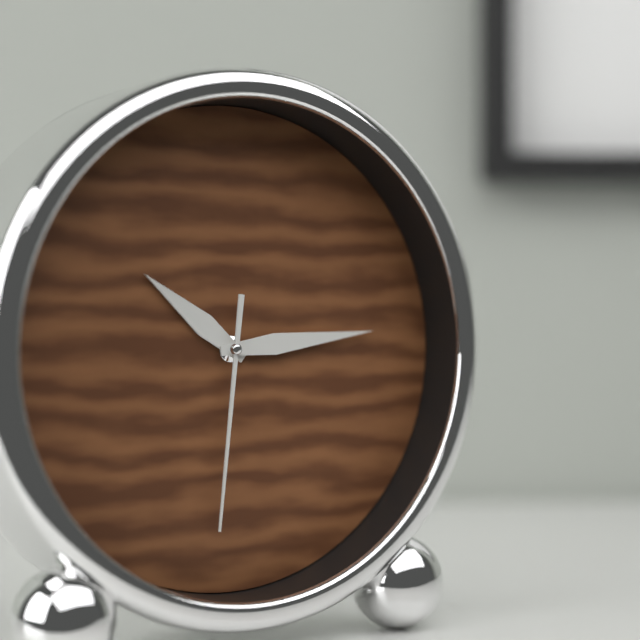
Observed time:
10:14:31
